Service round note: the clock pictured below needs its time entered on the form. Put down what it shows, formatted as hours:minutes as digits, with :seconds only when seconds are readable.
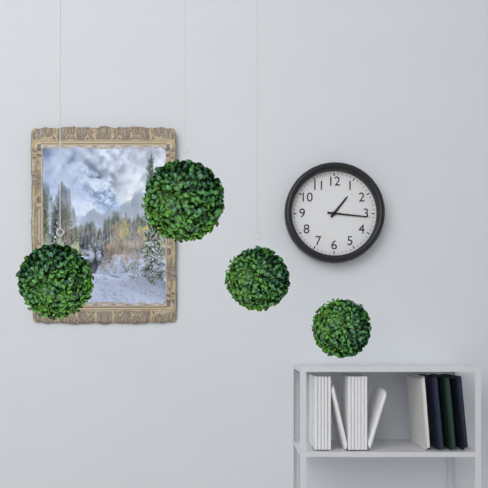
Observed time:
1:16
